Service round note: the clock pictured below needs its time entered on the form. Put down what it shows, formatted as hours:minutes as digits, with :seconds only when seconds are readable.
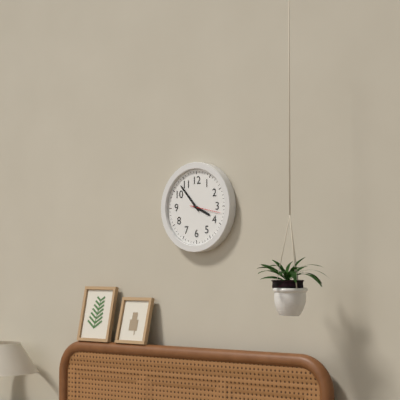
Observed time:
3:53
